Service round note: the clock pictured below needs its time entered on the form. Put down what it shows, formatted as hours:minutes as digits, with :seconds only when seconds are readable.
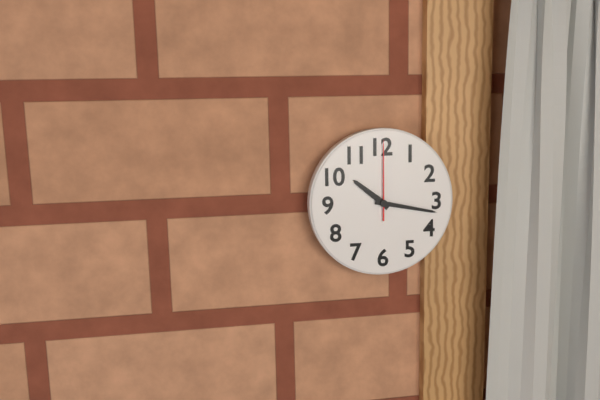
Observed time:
10:17:00
